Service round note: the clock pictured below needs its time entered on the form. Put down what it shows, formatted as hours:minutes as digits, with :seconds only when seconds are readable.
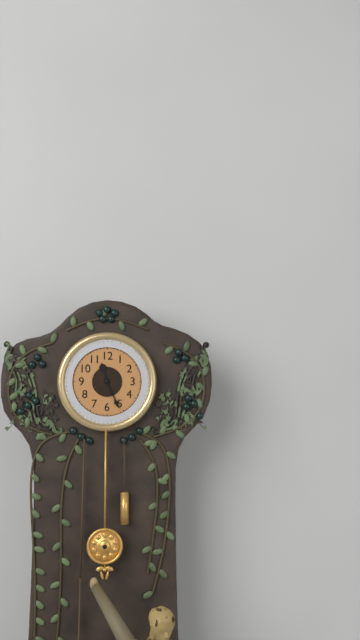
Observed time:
11:26
